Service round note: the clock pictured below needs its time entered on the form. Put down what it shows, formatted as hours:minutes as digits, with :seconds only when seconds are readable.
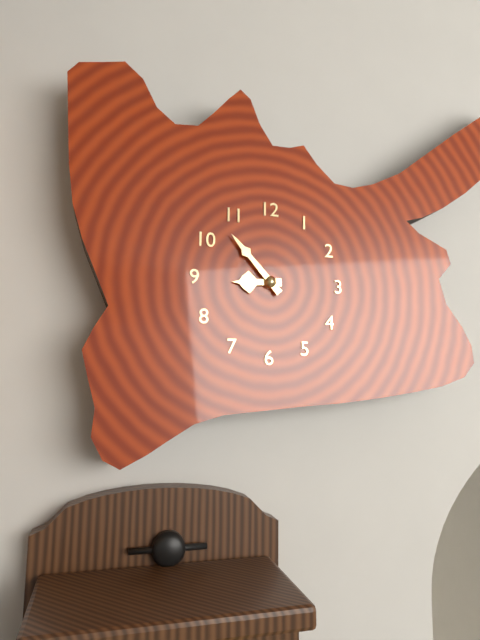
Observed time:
8:53
